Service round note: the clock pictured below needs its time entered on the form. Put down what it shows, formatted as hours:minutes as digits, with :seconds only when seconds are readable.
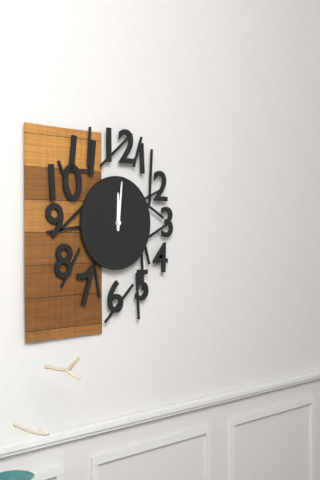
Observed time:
12:01
